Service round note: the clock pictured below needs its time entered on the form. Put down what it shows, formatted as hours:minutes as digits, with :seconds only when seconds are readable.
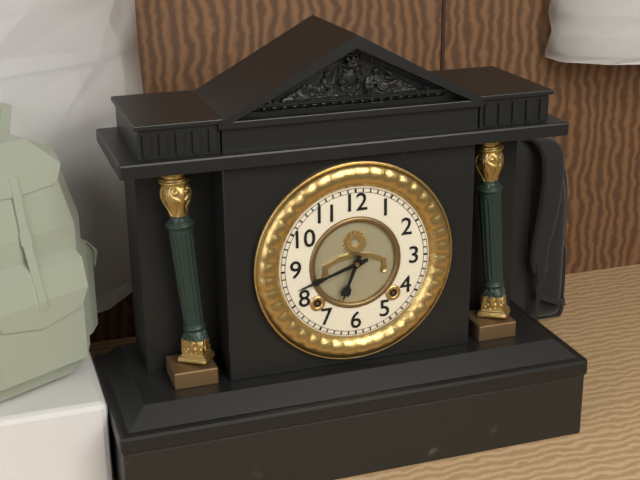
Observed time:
6:42
